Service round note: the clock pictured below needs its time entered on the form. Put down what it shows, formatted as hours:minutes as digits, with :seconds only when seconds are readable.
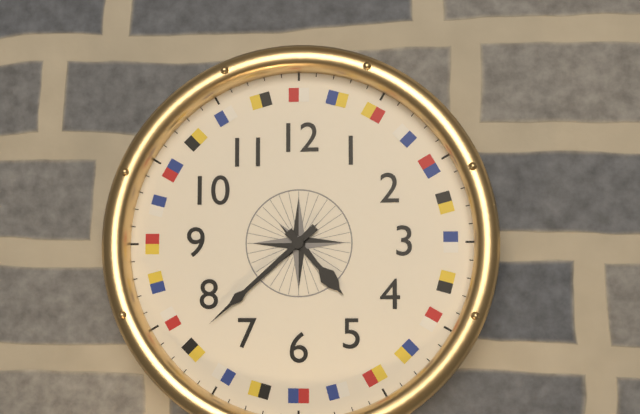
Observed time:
4:38
